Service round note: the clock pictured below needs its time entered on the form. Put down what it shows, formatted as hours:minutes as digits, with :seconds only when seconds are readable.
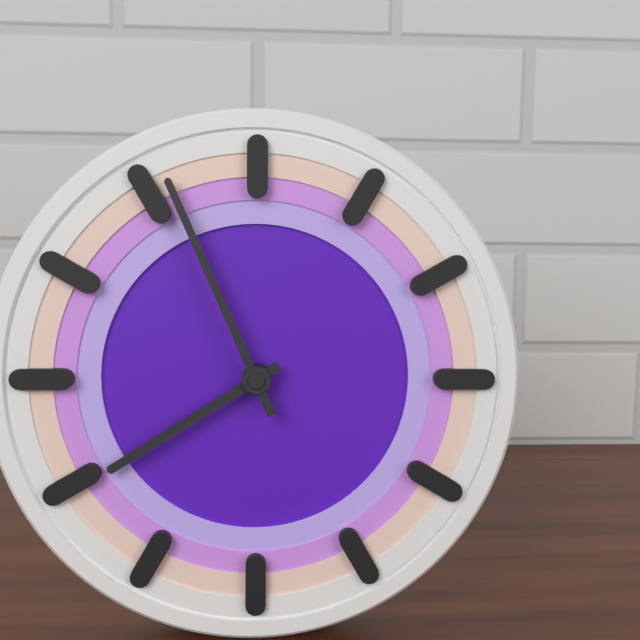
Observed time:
7:56
